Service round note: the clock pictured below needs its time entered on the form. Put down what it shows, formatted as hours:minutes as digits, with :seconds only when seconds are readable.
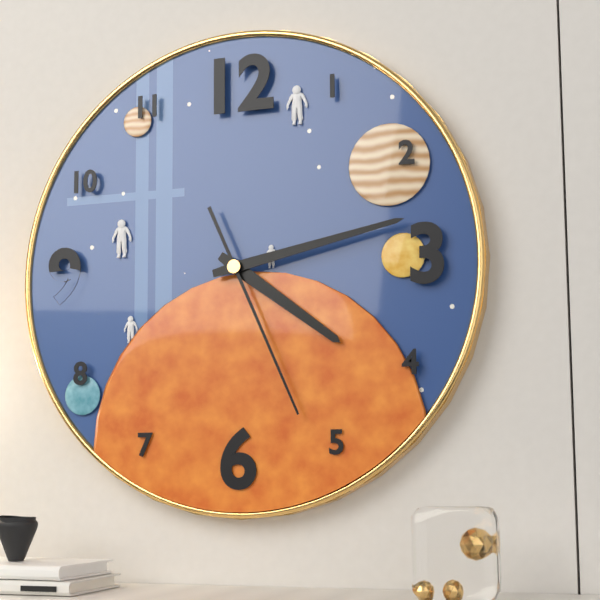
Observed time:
4:13:26
